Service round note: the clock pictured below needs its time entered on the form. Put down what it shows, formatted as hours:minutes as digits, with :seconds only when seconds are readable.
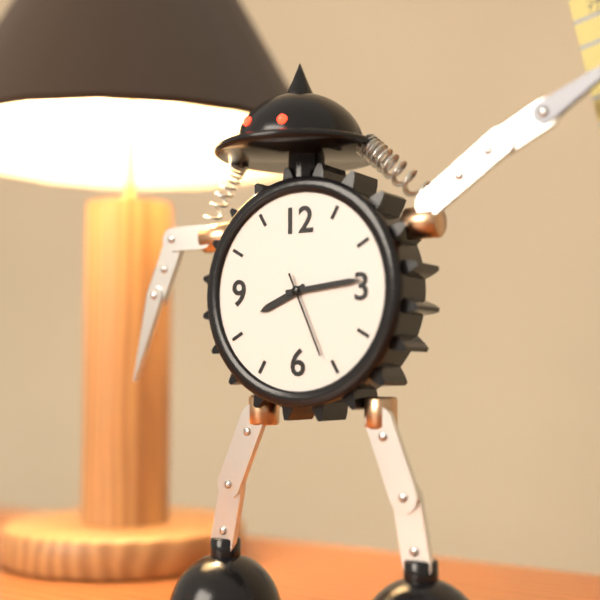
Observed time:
8:14:26
